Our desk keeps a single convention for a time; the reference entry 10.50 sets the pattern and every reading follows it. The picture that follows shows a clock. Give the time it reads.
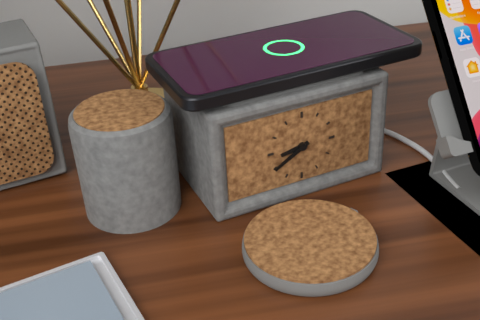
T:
8.40
